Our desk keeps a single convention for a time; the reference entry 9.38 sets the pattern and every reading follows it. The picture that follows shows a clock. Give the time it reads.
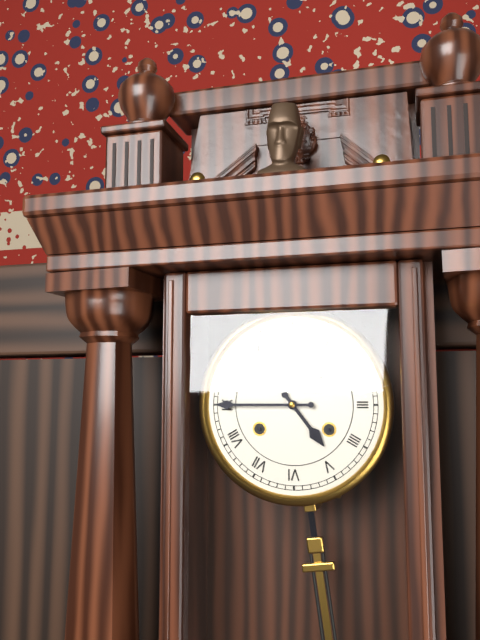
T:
4.45
